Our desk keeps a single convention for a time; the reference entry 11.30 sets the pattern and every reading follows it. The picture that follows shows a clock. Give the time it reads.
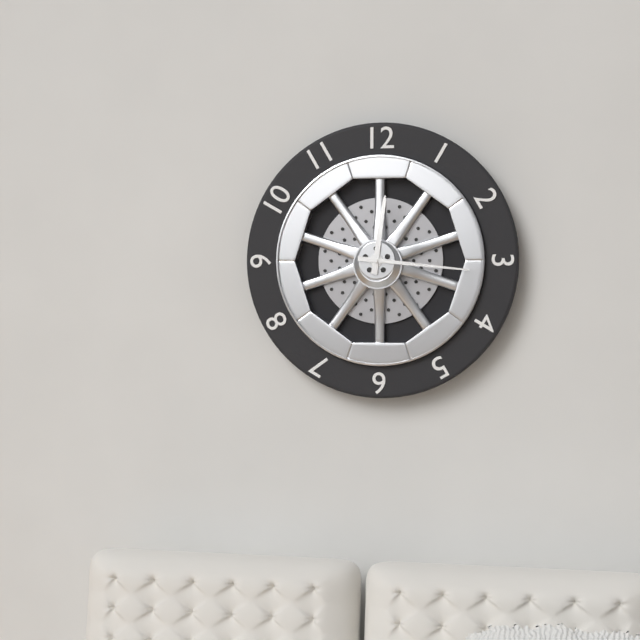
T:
12.16
